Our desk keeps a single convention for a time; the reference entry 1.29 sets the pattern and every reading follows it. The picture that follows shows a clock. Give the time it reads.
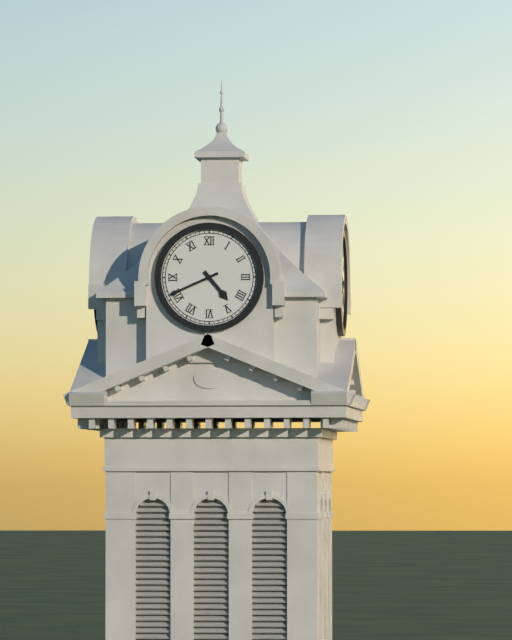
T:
4.41
